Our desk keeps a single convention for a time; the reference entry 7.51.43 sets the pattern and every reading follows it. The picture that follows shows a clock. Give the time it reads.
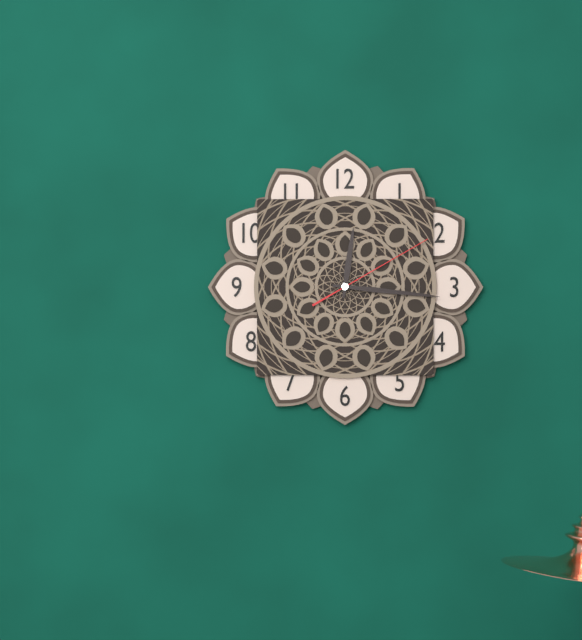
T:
12.16.10
